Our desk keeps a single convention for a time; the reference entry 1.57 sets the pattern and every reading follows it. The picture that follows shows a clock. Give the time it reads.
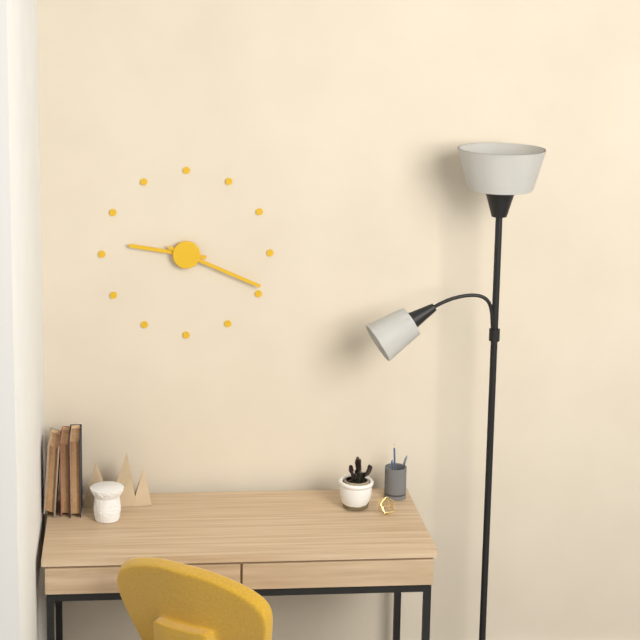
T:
9.19
